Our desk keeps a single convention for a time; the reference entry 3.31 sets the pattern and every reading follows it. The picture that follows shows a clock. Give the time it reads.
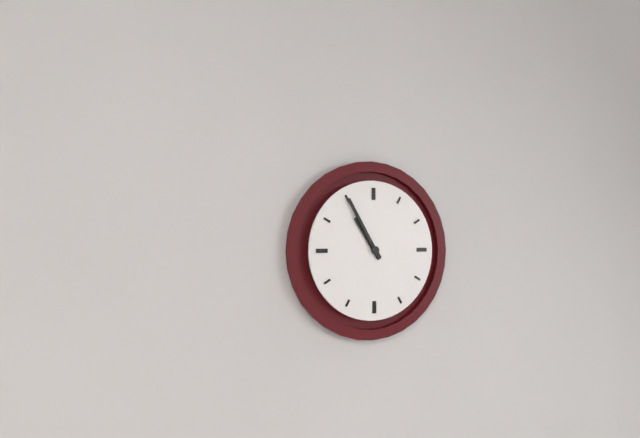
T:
10.55
